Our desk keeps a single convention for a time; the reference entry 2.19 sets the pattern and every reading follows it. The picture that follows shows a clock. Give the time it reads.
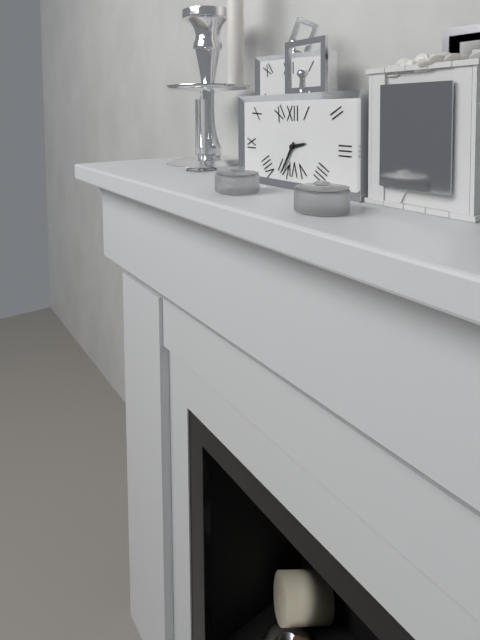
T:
2.35
